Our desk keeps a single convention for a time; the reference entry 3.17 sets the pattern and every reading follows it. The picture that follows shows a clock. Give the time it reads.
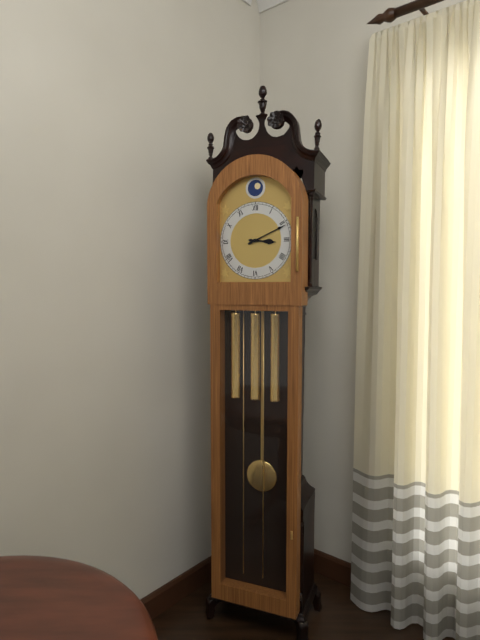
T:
3.11
